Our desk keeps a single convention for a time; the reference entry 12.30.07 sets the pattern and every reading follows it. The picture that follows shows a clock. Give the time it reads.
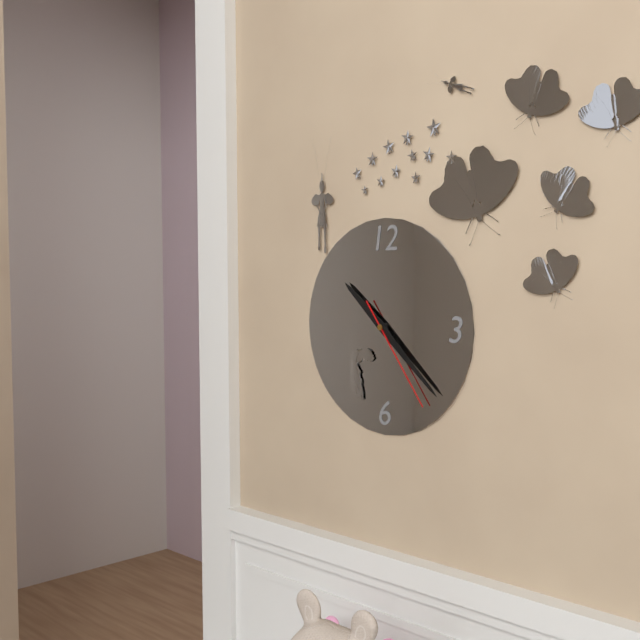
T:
10.22.24
